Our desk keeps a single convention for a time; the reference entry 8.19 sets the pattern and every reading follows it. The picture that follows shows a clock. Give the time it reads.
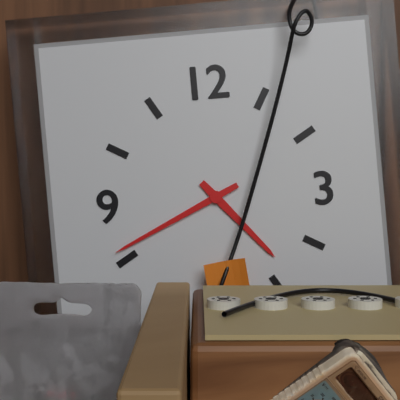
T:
4.41
